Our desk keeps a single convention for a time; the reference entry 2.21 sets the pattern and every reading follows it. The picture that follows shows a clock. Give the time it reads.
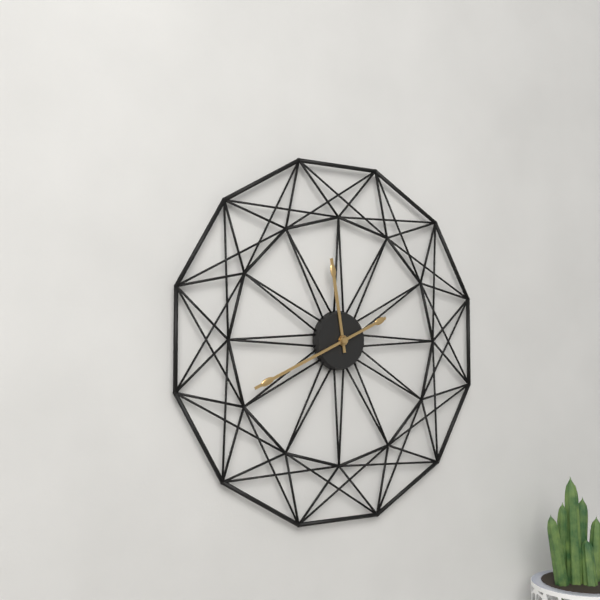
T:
11.41
